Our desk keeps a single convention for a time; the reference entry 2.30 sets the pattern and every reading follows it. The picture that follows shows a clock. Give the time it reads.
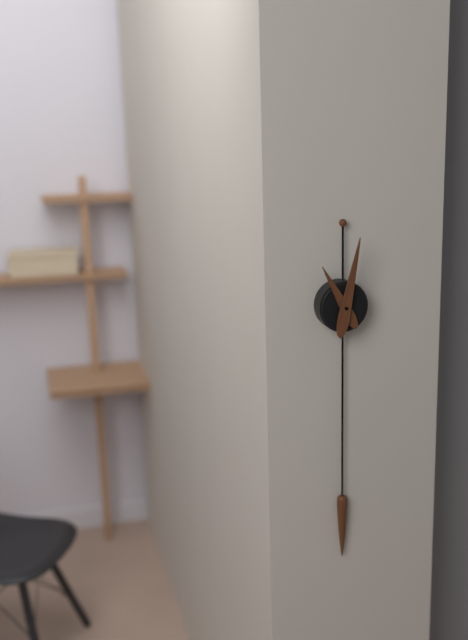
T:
11.02
